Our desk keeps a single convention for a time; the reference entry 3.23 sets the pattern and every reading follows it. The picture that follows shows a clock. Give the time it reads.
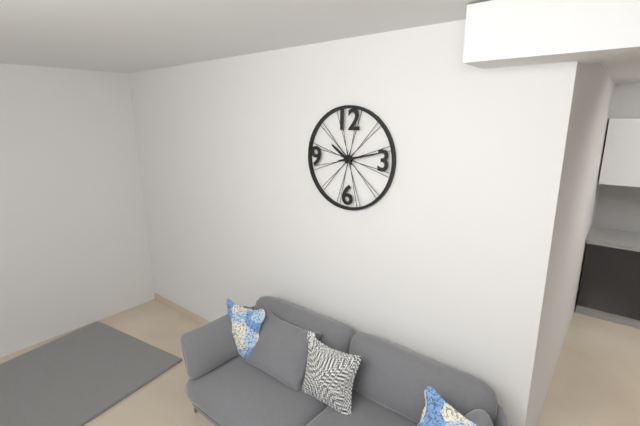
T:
10.13
